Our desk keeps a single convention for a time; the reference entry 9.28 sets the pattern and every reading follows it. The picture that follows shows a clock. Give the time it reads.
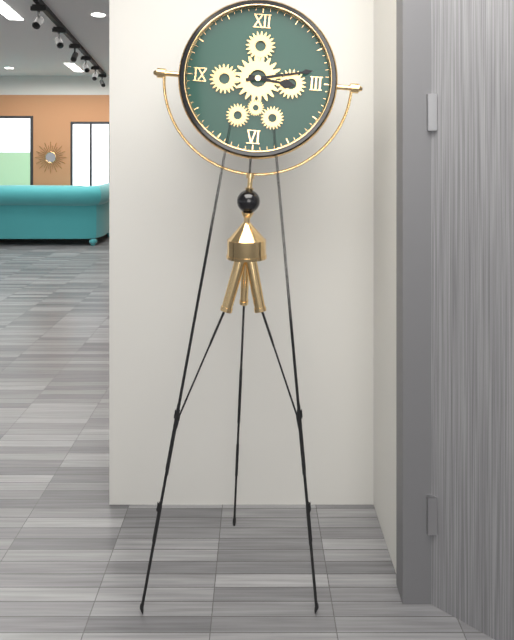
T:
3.13
